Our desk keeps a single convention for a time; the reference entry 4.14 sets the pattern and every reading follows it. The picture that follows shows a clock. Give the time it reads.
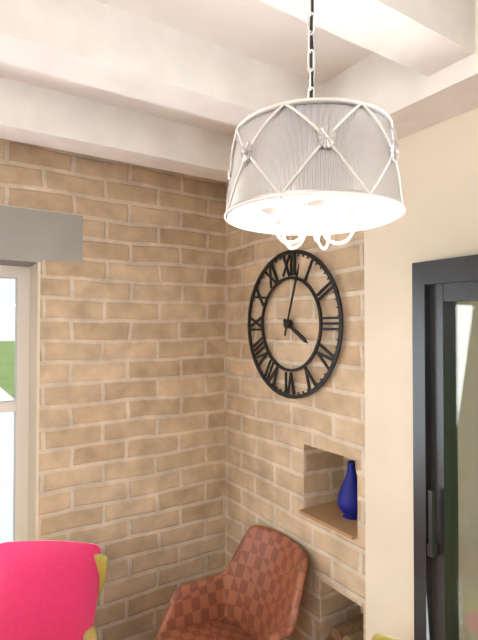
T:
4.03
